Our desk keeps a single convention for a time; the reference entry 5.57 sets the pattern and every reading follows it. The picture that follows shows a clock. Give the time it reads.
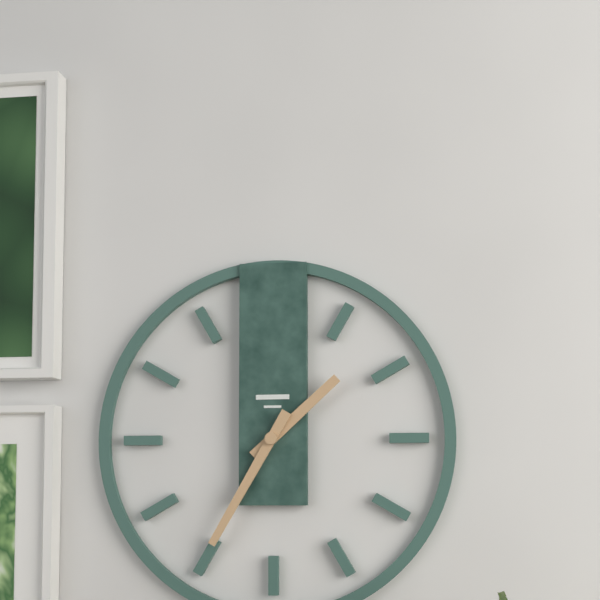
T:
1.35
